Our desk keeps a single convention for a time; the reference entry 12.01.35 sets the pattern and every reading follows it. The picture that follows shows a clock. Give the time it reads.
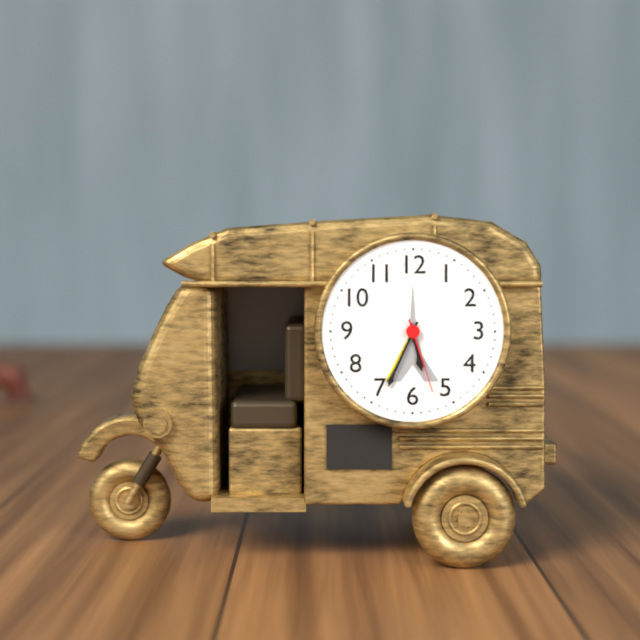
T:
5.34.27
